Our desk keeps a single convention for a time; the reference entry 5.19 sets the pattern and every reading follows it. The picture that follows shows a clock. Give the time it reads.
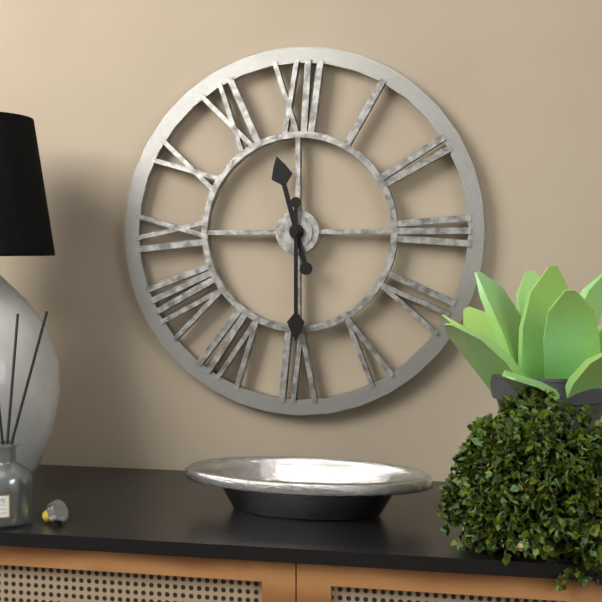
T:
11.30
